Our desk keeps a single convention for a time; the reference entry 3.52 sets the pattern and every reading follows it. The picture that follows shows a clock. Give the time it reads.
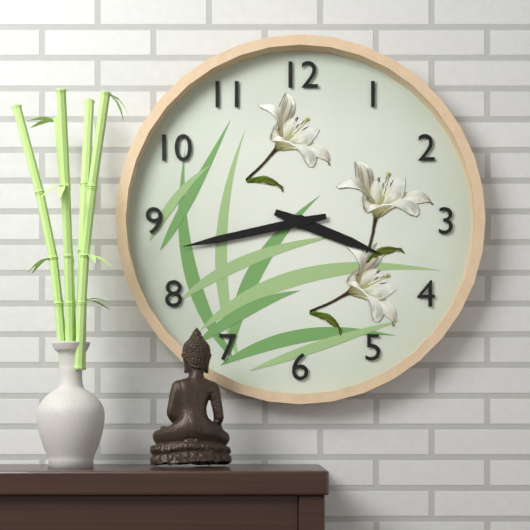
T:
3.43
